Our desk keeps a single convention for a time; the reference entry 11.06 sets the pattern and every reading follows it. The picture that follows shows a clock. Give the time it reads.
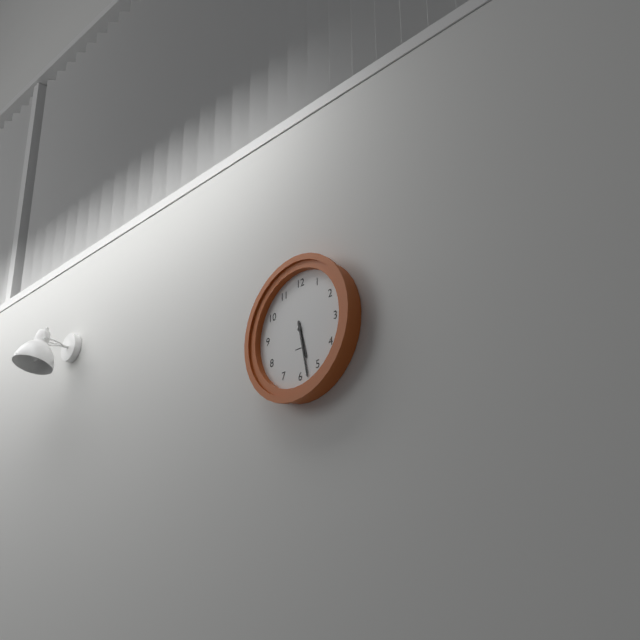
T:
5.28
